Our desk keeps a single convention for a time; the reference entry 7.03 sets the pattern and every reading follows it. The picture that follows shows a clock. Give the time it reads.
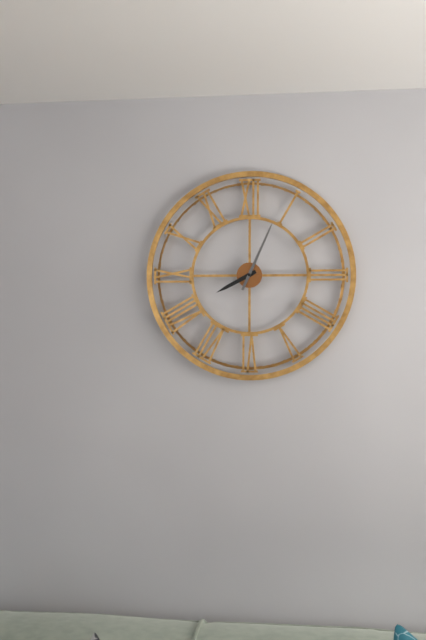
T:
8.04
